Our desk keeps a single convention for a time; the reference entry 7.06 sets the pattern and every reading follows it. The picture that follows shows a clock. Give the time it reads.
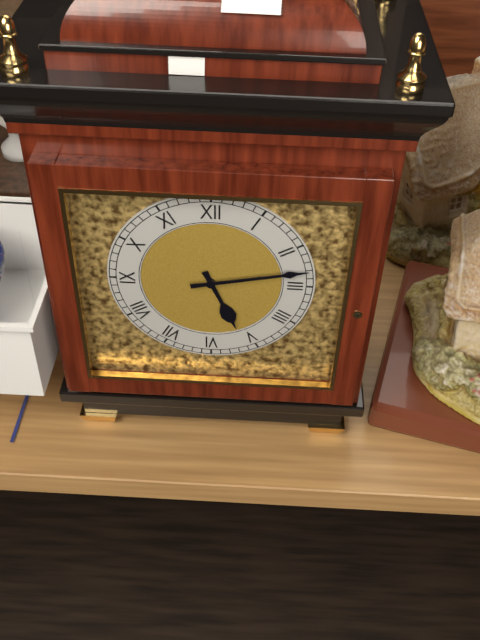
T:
5.13
